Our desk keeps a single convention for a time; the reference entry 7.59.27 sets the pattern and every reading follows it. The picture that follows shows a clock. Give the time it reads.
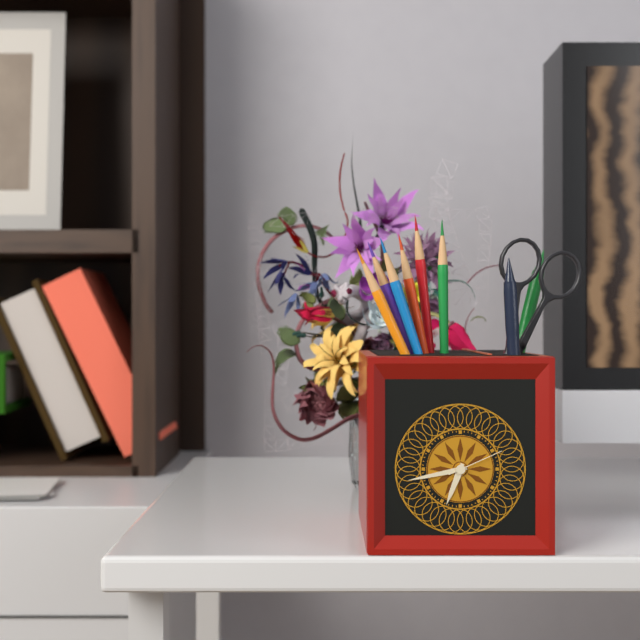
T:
6.43.11
